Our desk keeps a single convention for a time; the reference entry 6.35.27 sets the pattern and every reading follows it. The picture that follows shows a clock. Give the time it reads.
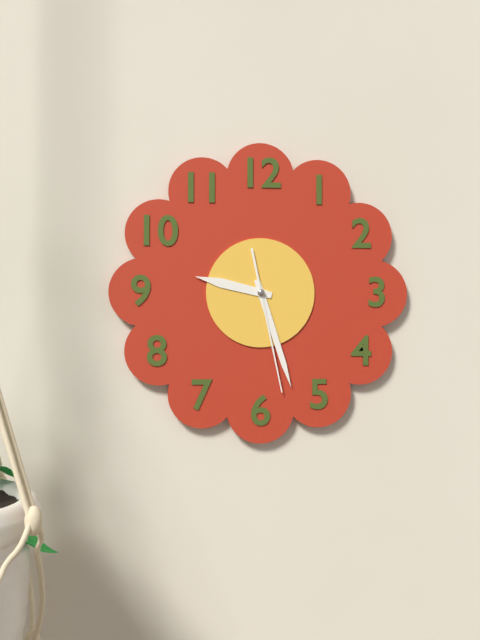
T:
9.27.28
